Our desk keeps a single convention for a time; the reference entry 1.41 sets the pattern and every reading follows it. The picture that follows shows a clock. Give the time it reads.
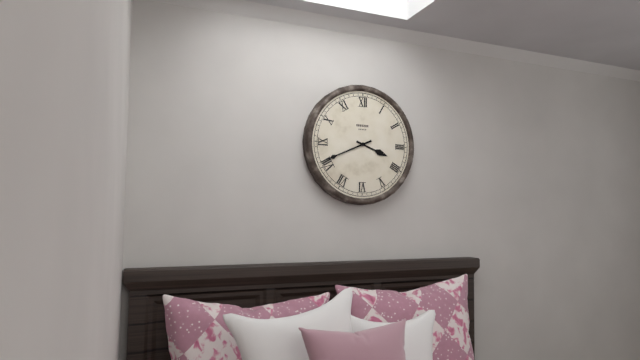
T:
3.41
